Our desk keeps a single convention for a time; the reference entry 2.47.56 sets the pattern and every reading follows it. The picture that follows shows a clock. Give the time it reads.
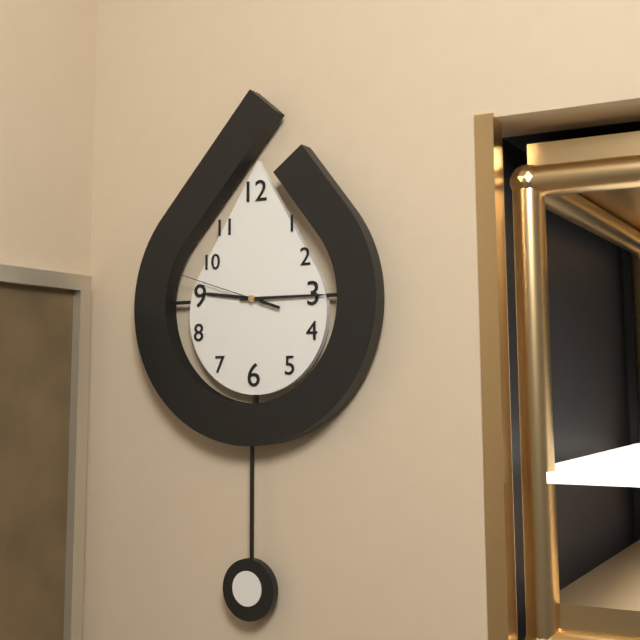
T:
9.15.48
